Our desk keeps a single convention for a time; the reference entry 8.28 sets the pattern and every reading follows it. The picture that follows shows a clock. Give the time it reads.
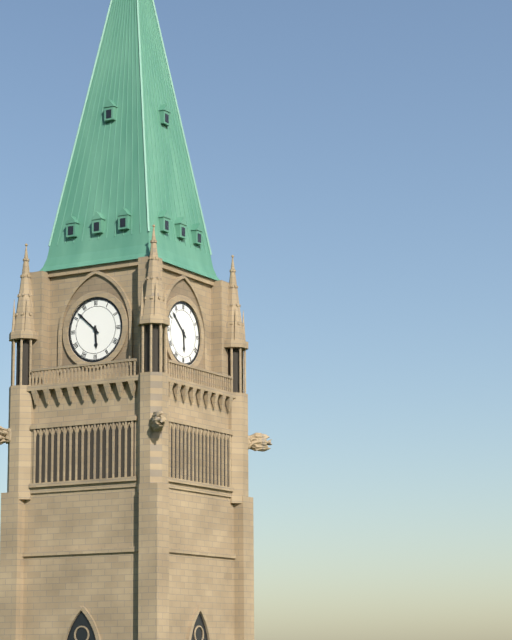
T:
5.52
